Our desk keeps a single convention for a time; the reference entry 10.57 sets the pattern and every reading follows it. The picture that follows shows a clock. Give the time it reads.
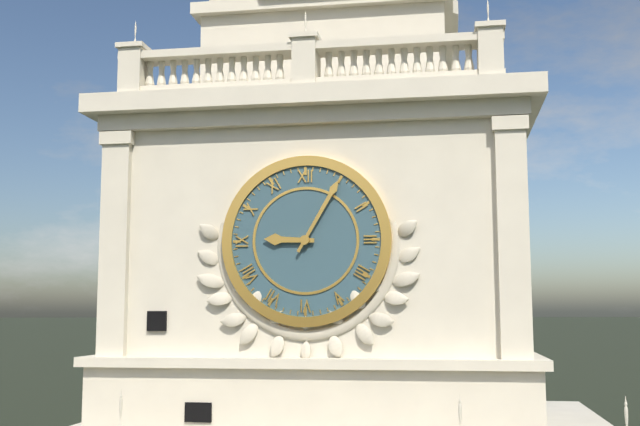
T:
9.05
